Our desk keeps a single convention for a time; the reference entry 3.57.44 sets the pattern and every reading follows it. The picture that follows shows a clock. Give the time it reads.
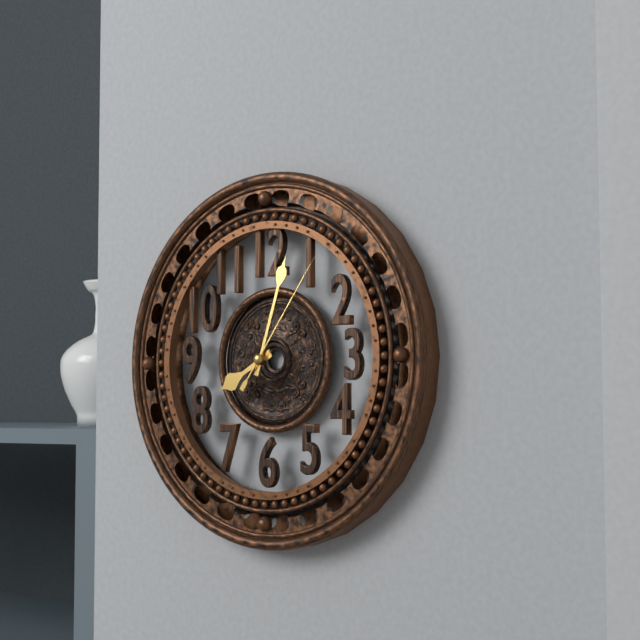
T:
8.03.06
